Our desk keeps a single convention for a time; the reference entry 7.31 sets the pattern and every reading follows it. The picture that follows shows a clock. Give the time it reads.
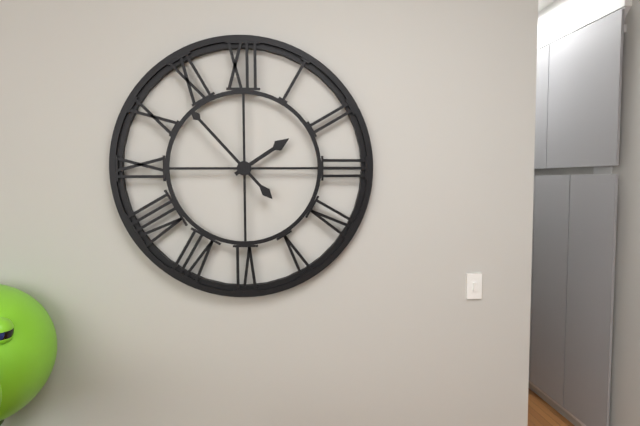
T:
1.53
